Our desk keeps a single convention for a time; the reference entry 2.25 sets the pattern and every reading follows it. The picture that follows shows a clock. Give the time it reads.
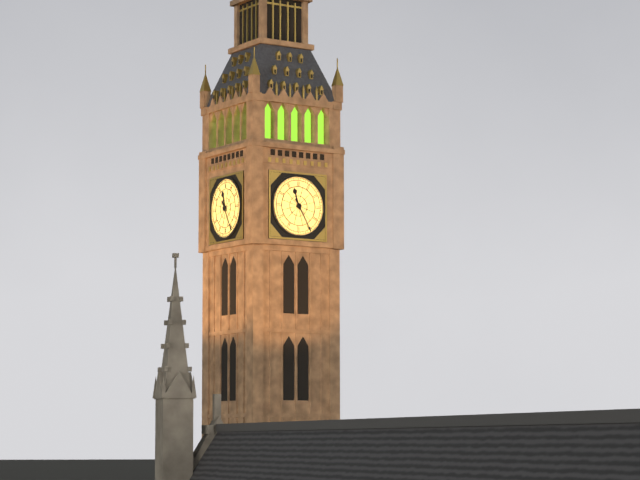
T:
11.25
